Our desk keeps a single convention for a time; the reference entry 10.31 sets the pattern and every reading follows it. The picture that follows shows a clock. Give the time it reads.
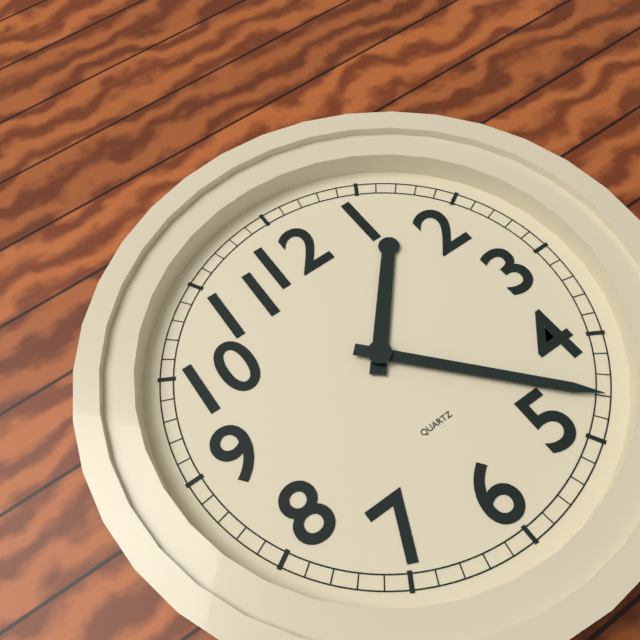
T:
1.23
